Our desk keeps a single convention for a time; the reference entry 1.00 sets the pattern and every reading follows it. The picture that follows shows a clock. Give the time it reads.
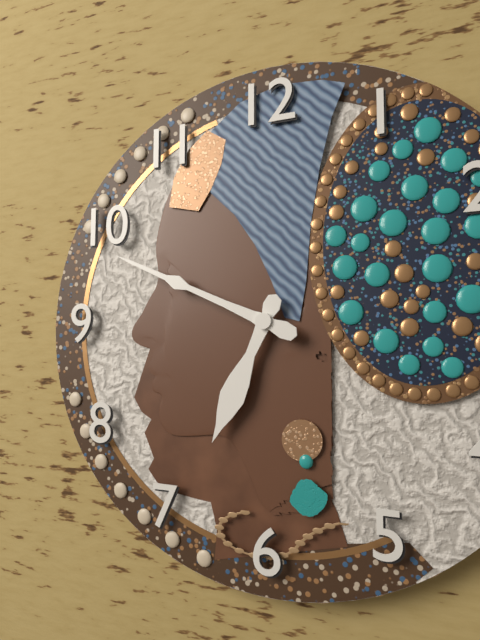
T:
6.49
